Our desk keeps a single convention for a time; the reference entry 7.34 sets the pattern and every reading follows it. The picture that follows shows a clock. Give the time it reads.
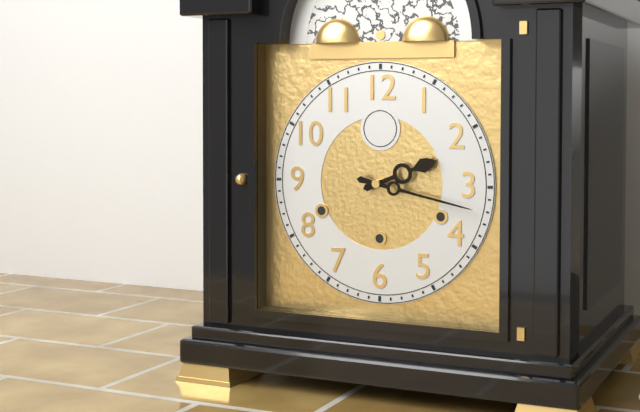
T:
2.17
